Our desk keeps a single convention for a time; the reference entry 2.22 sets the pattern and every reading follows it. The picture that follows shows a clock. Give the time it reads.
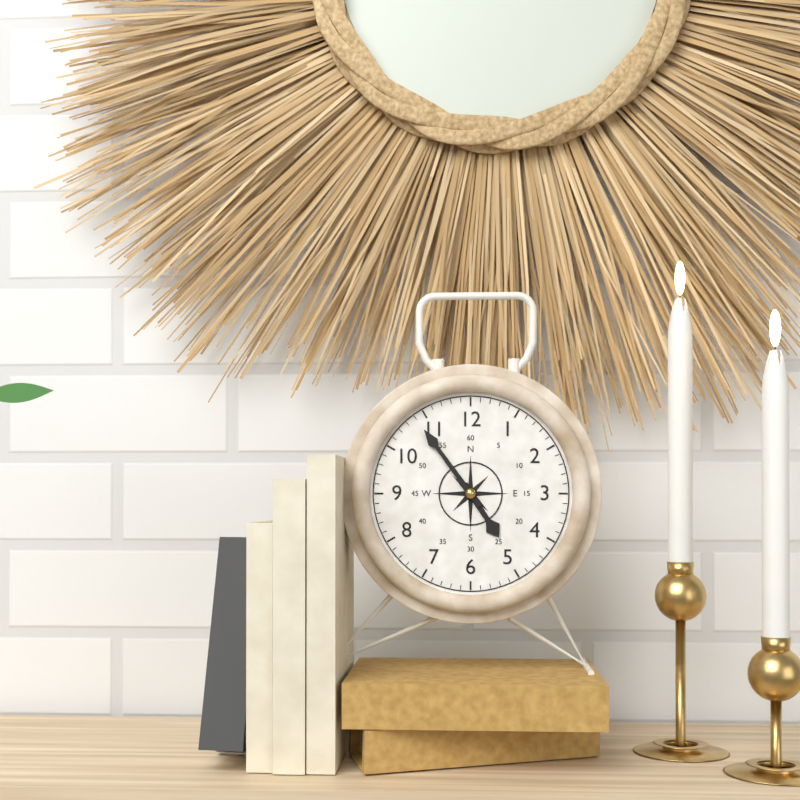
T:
4.54
